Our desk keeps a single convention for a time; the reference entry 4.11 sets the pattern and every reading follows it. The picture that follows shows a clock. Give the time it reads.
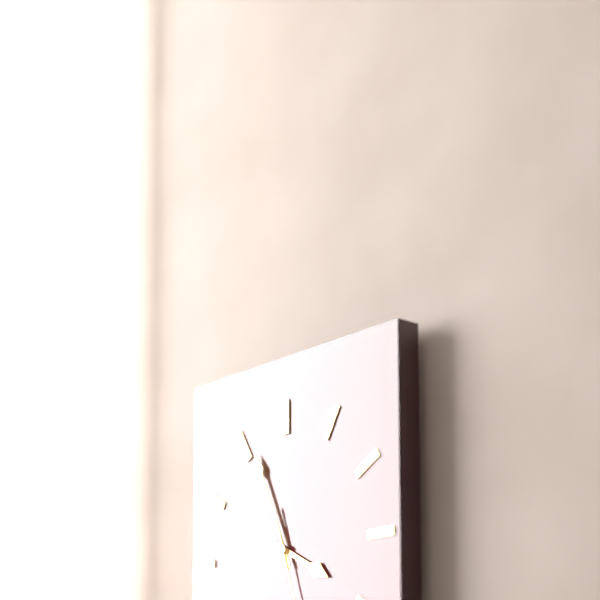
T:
3.56
